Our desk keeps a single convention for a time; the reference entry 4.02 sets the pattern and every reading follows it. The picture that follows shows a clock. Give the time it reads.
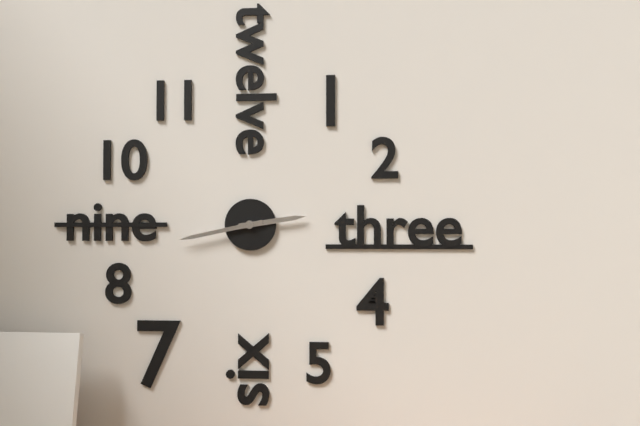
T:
2.43
